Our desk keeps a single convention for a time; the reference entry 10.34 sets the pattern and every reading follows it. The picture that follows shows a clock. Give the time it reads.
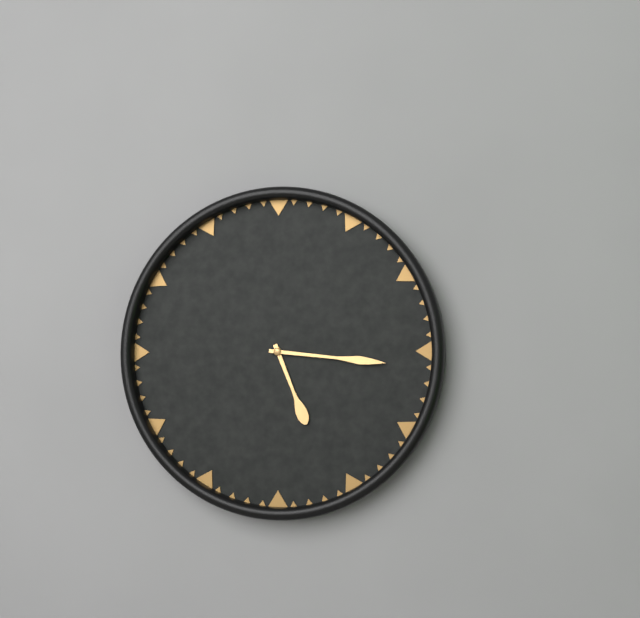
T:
5.16
